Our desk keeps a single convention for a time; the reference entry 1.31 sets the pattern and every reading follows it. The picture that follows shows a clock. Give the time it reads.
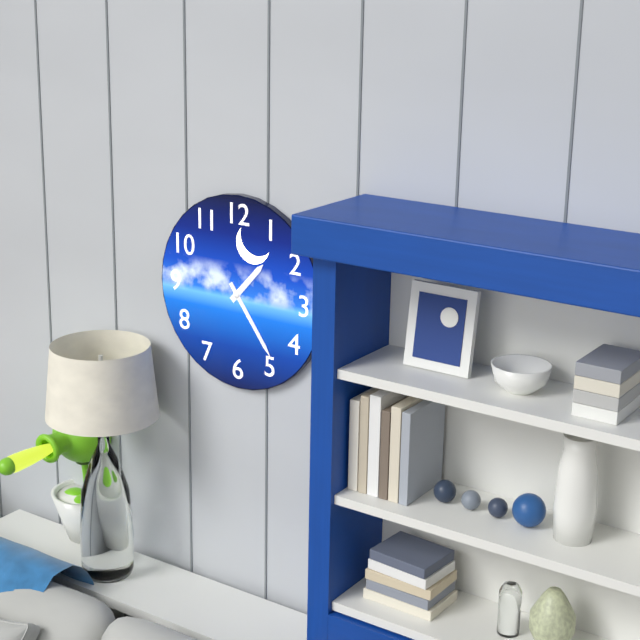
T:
1.24
